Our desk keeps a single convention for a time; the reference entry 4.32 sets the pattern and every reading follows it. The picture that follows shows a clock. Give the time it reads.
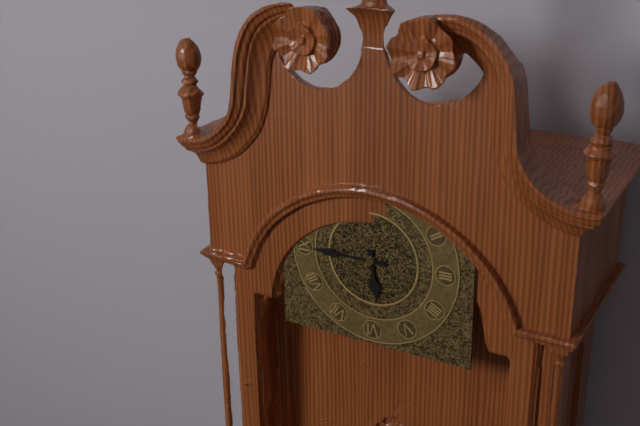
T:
5.45
